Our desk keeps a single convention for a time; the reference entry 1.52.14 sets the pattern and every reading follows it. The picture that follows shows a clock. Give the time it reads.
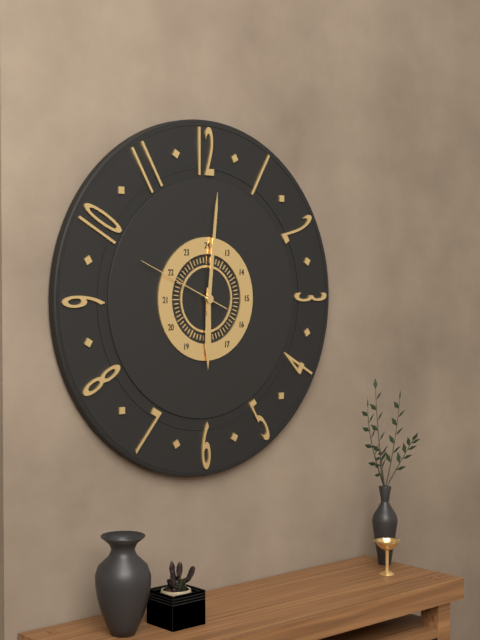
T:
6.01.49
